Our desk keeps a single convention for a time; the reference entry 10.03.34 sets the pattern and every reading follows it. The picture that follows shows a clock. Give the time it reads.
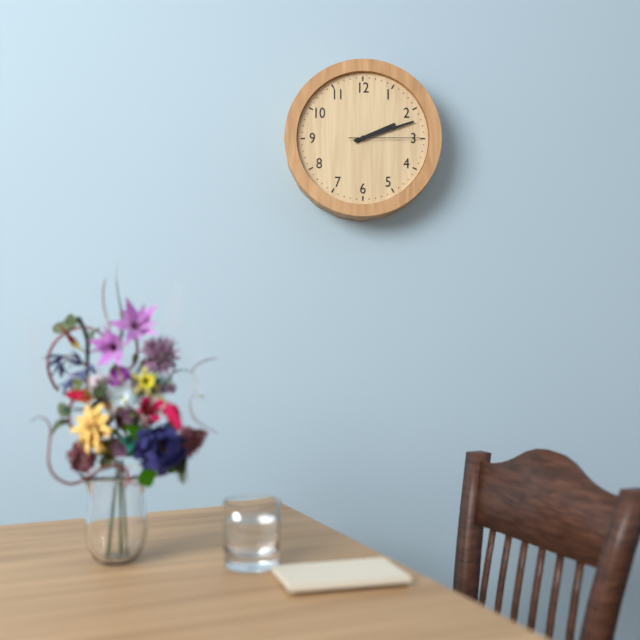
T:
2.12.15
